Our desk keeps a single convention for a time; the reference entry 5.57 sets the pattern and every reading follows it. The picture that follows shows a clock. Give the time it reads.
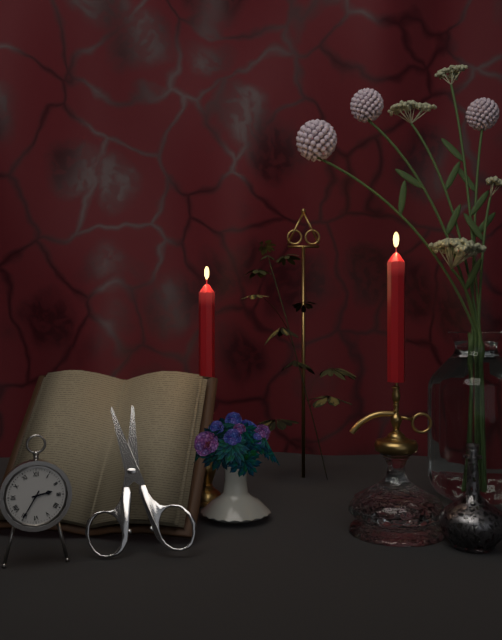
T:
2.35
